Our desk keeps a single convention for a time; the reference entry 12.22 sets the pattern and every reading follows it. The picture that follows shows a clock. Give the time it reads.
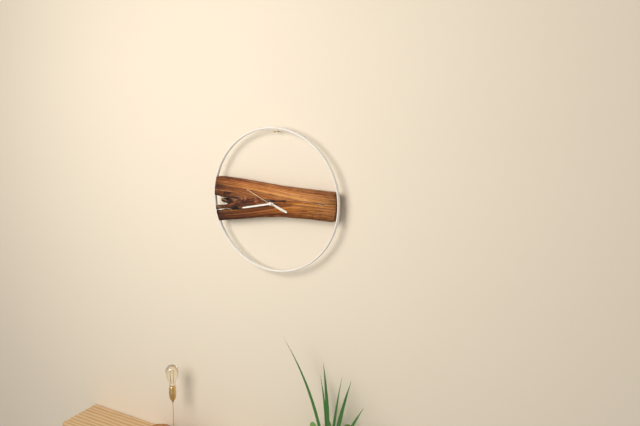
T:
3.43
